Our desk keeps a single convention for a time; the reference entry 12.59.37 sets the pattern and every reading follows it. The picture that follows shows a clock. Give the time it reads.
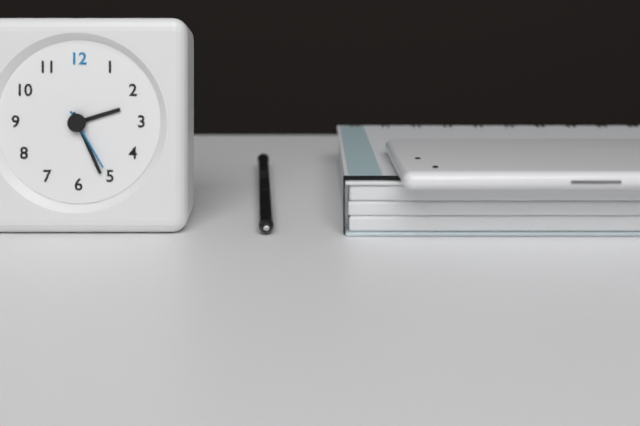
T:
2.26.25
